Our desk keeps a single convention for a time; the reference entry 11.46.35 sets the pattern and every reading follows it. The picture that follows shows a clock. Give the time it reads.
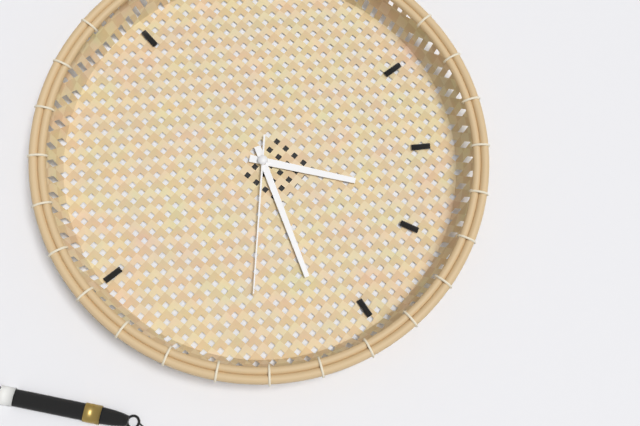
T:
11.05.09
